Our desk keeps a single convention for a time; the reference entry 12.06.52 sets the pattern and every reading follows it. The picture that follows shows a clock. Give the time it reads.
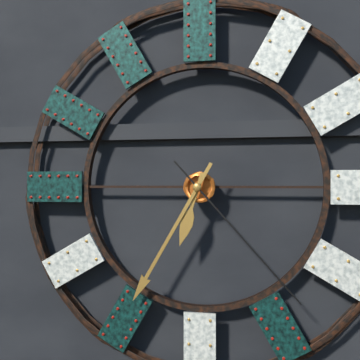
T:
6.35.23
